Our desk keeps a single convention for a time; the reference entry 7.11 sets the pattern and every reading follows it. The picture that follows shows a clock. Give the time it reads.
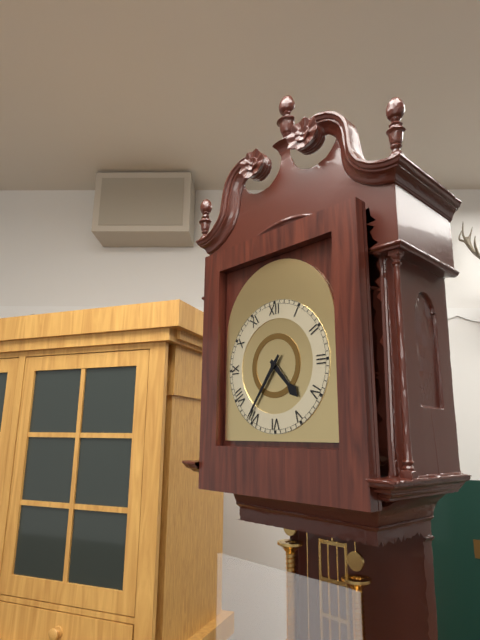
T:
4.36
